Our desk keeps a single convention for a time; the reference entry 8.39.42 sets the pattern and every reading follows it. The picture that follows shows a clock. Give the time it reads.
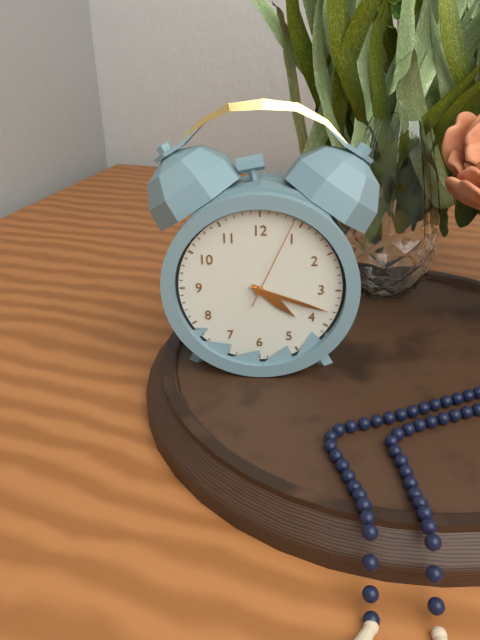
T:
4.18.04
